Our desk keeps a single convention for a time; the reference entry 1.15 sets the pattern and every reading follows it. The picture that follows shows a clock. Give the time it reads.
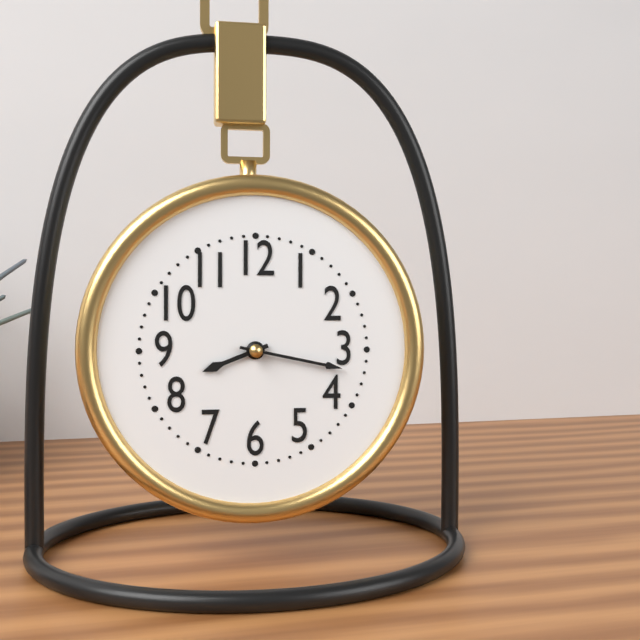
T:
8.17
